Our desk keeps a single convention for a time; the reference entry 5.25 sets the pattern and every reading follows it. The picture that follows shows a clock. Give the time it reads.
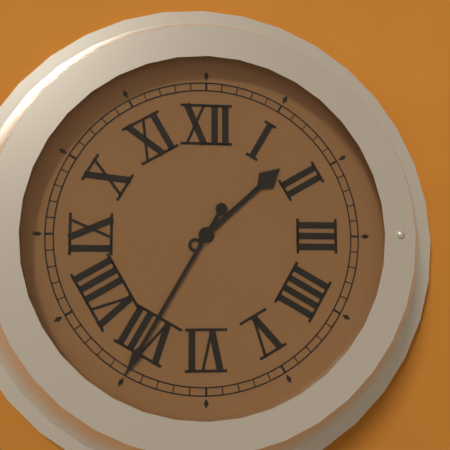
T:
1.35
